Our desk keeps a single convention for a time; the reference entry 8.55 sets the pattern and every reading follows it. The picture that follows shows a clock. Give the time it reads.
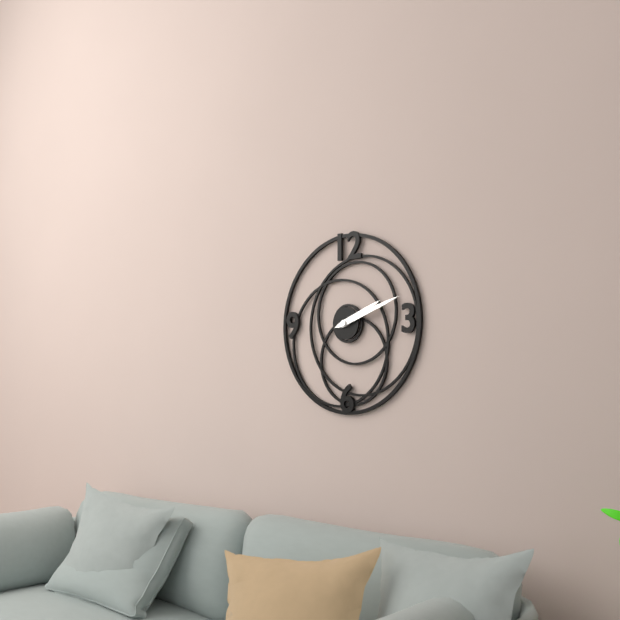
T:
2.12
